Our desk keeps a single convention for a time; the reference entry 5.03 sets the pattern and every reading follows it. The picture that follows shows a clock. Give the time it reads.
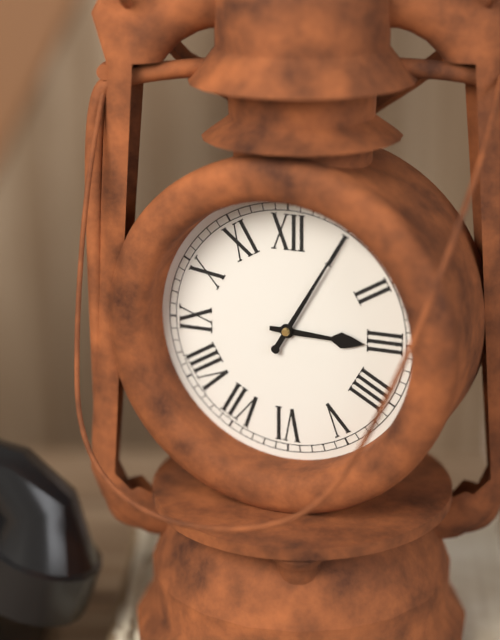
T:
3.05
